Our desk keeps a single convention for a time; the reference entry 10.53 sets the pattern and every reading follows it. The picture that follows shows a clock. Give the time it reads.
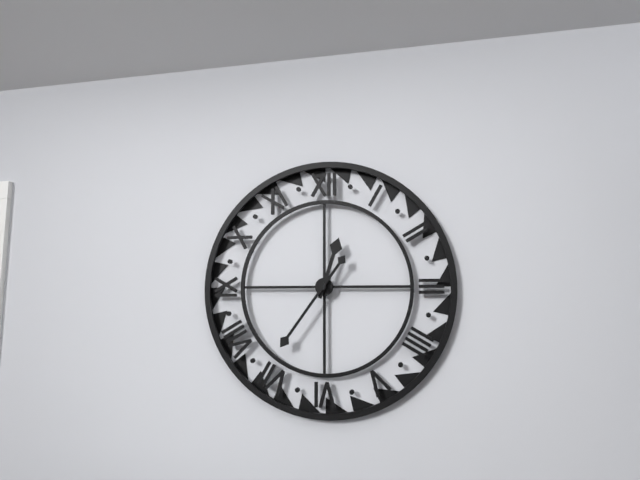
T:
12.36
